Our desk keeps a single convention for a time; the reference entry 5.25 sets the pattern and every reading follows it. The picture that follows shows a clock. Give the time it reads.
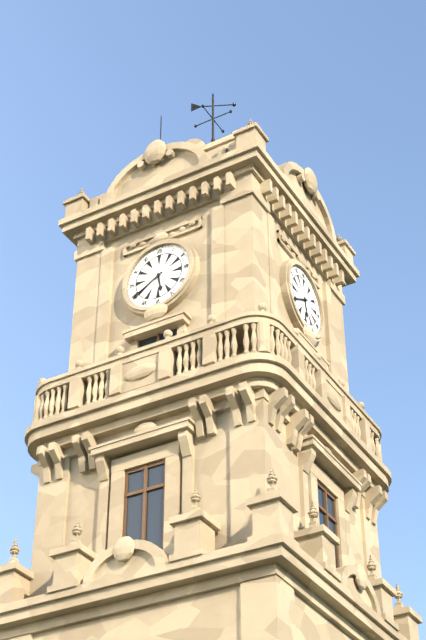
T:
5.40
